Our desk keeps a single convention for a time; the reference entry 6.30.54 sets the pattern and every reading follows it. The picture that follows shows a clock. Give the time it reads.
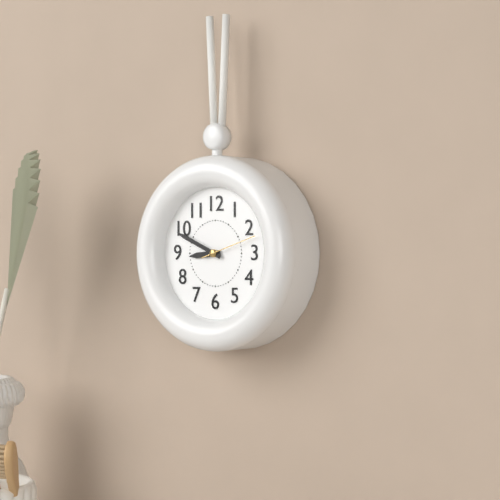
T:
8.49.12
